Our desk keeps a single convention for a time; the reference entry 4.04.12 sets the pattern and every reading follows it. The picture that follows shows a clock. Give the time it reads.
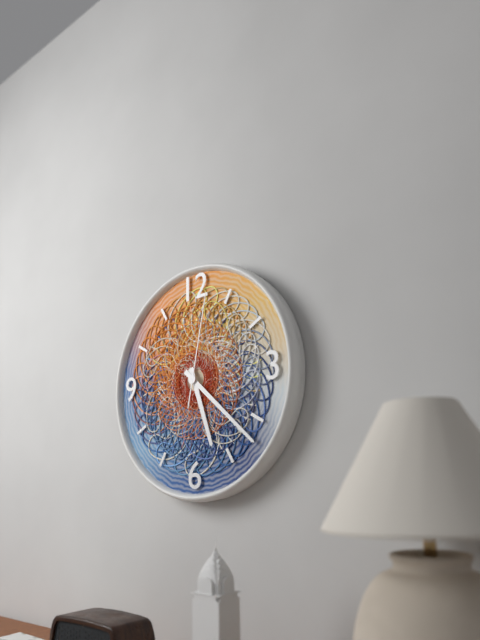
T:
5.22.02
